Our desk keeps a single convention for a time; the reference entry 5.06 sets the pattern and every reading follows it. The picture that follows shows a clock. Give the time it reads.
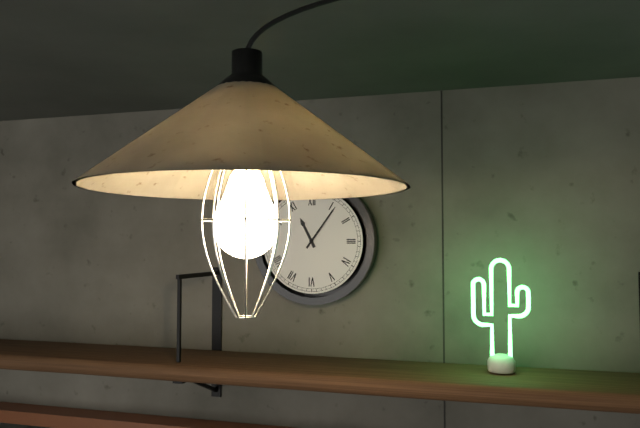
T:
11.06
